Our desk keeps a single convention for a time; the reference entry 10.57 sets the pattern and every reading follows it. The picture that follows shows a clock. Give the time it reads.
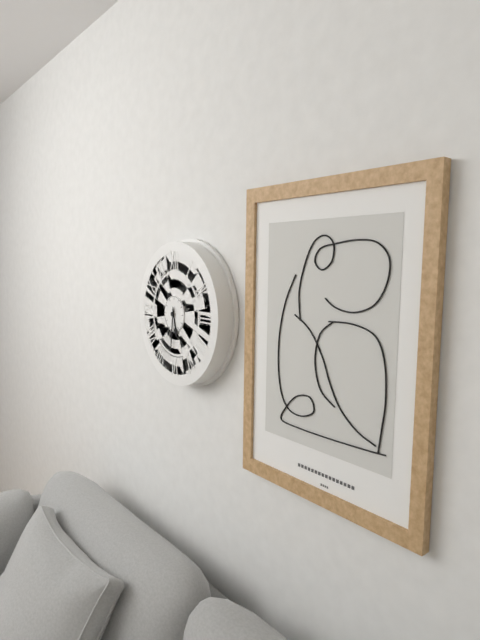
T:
5.31
